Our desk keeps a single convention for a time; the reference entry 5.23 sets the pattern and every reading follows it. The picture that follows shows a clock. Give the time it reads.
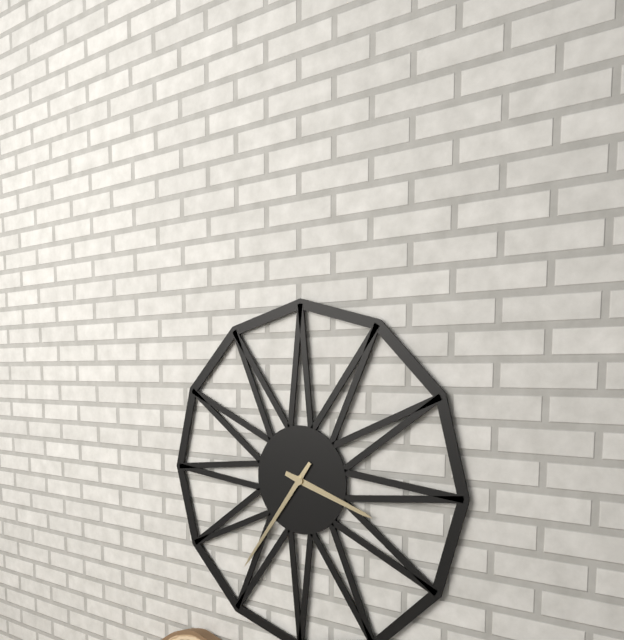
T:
3.36
